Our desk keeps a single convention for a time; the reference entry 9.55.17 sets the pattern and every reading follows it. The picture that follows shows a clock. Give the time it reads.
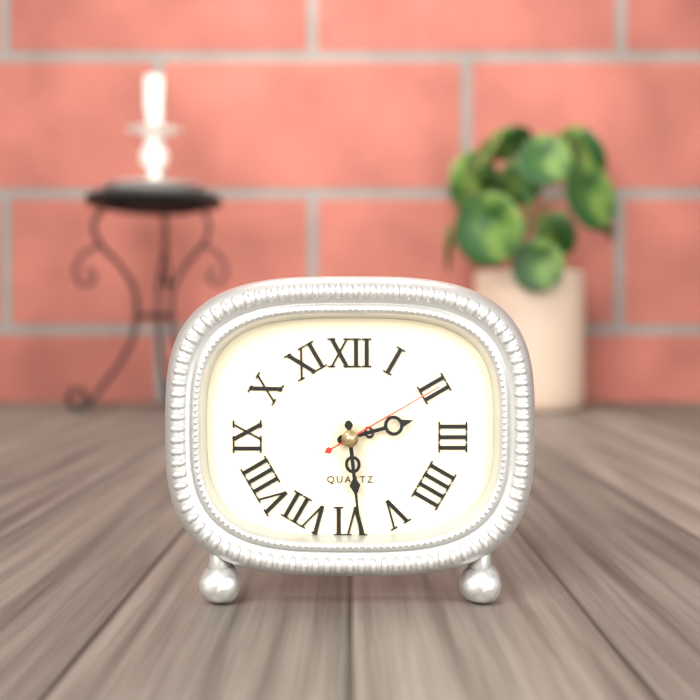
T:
2.29.10
